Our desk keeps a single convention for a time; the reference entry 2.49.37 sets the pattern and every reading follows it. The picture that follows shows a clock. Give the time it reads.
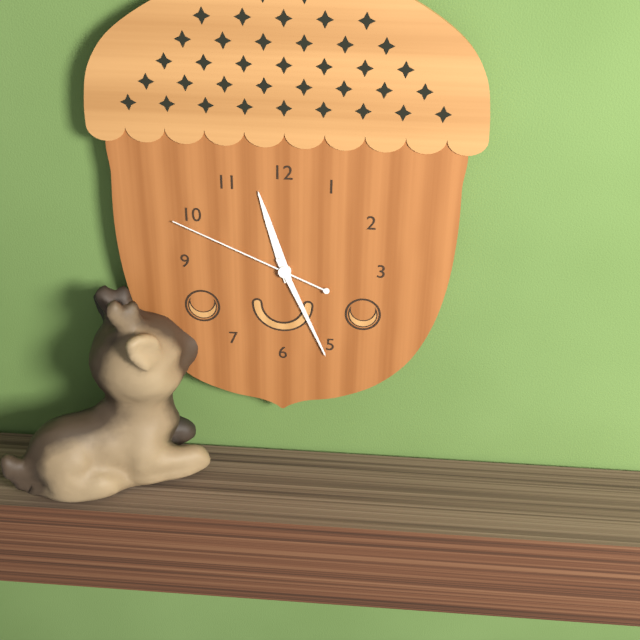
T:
11.26.49
